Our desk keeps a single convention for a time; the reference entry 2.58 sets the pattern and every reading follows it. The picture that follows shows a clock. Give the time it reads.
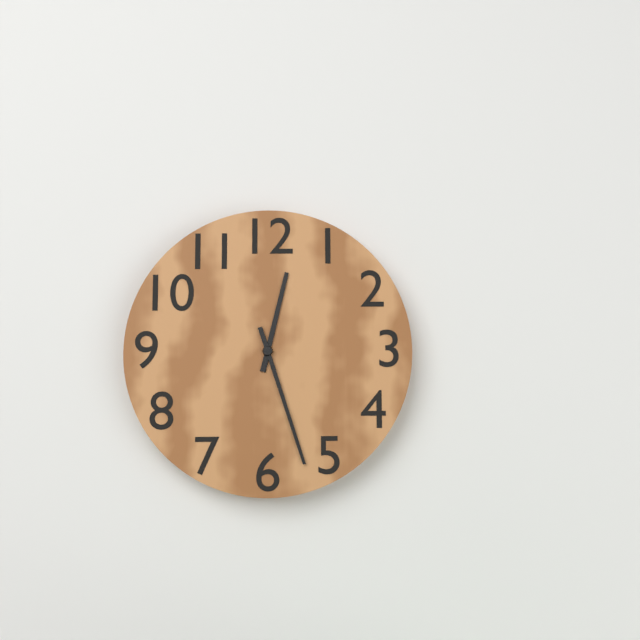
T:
12.27
